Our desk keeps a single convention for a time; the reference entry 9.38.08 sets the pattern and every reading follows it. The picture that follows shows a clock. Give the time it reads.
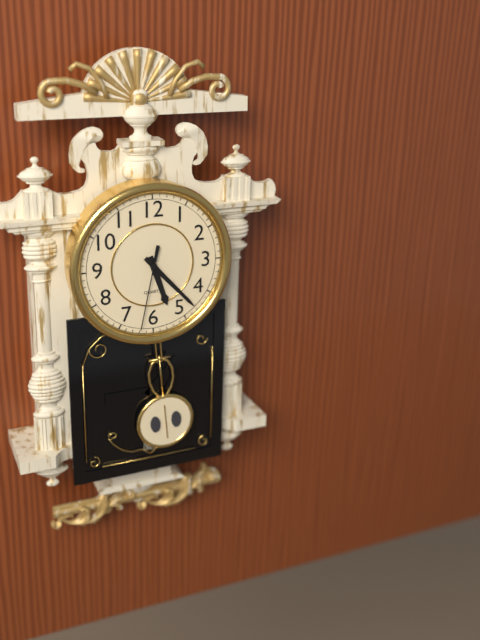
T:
5.23.32
